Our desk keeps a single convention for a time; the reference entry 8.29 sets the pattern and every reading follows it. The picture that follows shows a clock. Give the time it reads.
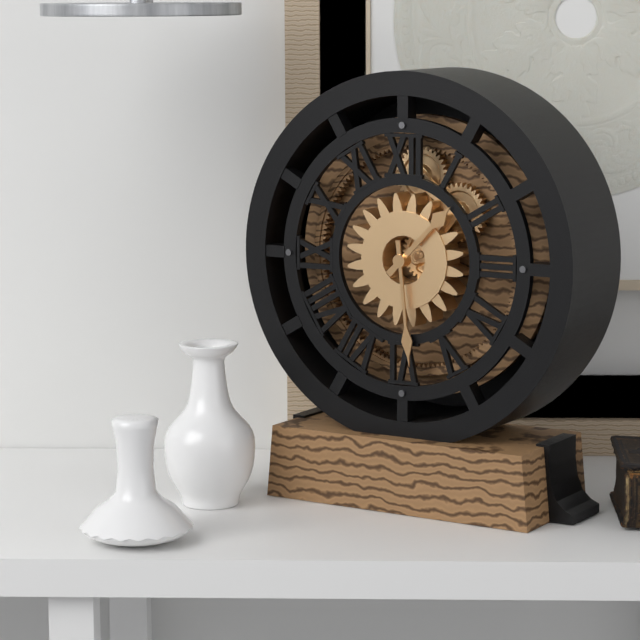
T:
1.29
